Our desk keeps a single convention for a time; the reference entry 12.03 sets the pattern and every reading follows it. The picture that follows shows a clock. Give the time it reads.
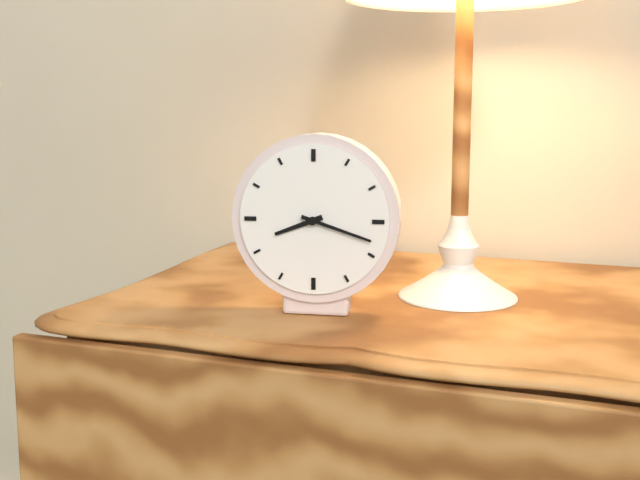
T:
8.18
